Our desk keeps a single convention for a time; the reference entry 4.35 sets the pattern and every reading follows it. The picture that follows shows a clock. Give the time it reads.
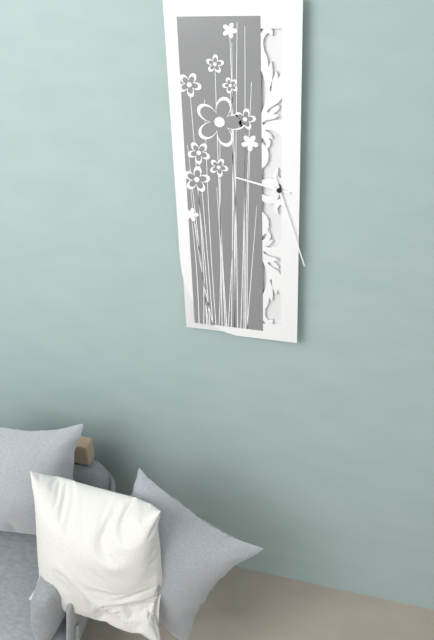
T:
9.27
